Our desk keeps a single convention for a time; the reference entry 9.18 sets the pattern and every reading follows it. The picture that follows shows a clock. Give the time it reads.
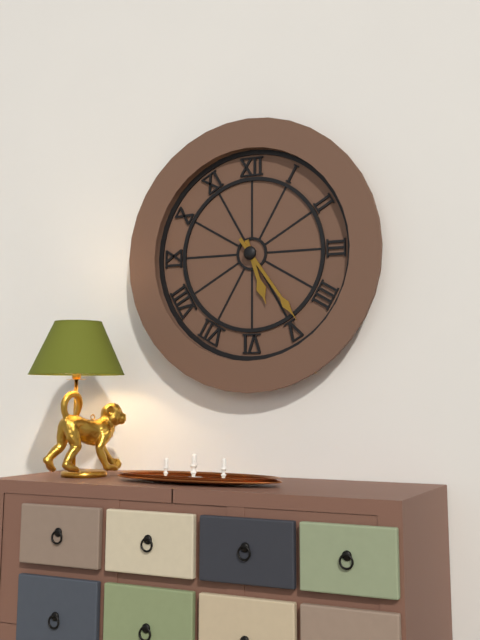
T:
5.24
